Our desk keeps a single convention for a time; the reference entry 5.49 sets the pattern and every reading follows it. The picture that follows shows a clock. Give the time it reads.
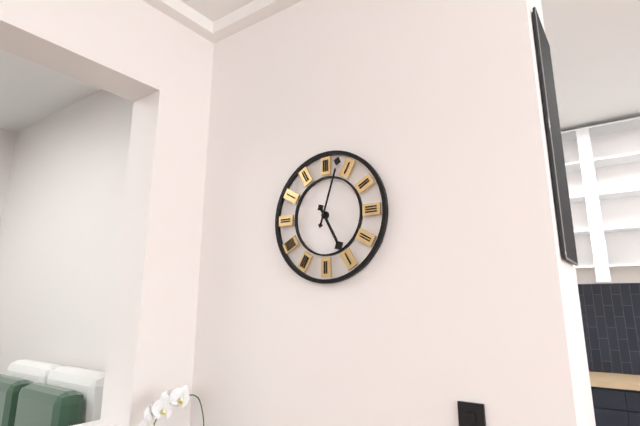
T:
5.03
